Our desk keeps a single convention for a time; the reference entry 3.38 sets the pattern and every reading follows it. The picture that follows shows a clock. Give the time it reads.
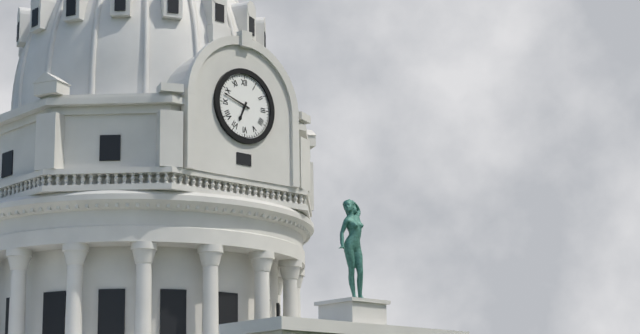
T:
6.48
